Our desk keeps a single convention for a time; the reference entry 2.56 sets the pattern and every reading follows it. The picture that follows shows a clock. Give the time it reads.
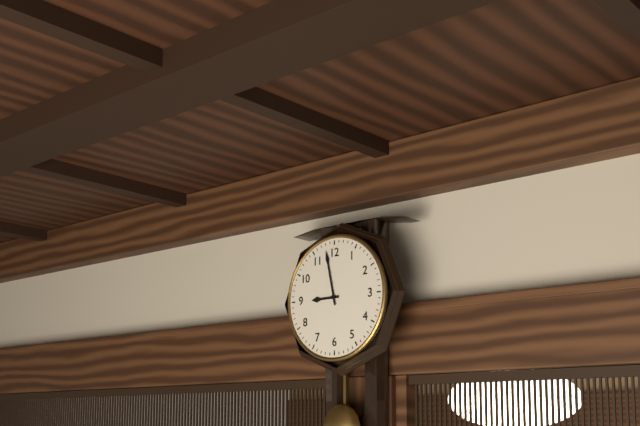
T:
8.58
